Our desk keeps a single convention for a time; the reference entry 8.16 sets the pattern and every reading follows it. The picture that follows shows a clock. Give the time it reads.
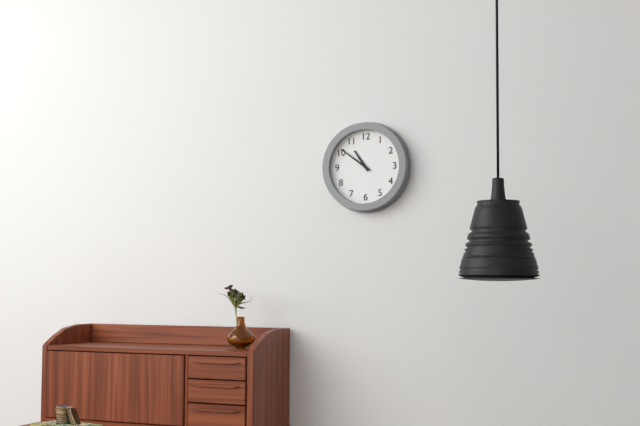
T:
10.51
